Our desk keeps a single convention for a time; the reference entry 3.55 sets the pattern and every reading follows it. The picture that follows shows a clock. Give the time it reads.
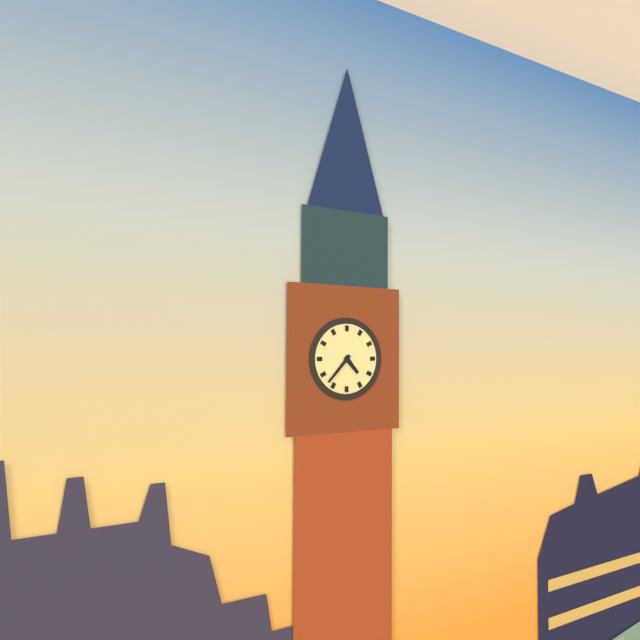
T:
4.37
